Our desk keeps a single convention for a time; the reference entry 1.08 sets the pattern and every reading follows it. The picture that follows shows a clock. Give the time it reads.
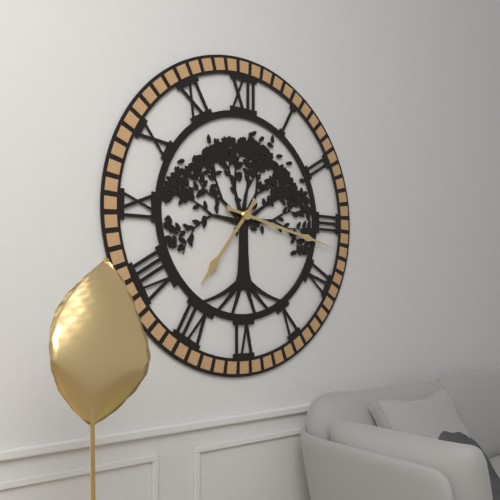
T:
7.17
